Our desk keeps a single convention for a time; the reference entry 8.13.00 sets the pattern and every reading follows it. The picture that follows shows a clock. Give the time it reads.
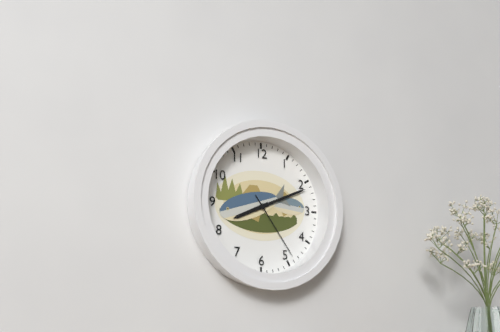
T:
8.11.24
